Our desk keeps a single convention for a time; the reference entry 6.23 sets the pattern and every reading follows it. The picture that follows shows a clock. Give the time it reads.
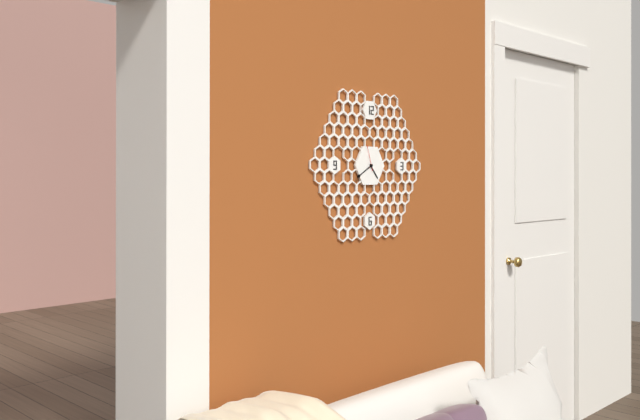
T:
4.40
